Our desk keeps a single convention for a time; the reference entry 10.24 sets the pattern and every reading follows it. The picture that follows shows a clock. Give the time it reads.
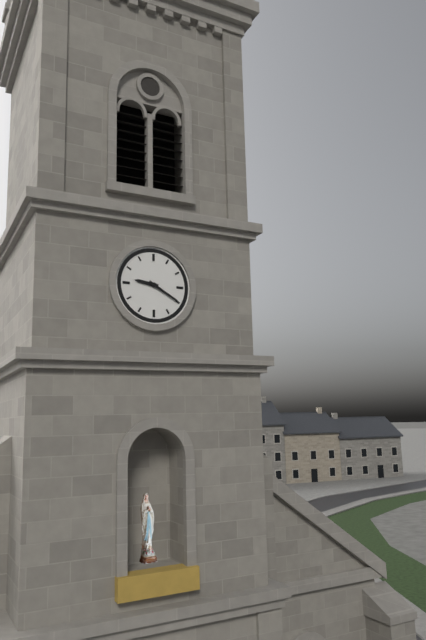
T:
9.20
